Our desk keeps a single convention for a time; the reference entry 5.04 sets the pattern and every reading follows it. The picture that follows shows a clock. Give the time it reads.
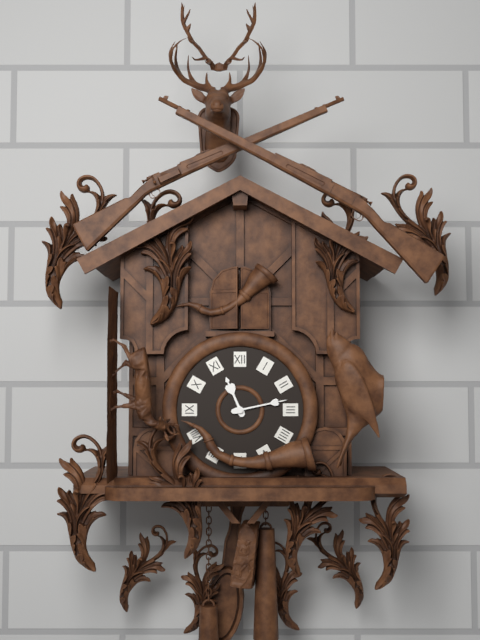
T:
11.13
